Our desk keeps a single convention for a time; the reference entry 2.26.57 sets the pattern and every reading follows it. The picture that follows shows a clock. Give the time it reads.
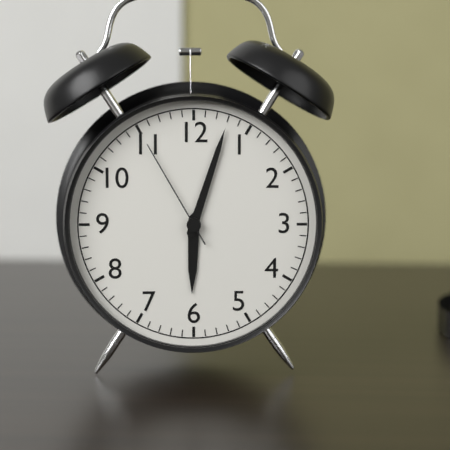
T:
6.03.55
